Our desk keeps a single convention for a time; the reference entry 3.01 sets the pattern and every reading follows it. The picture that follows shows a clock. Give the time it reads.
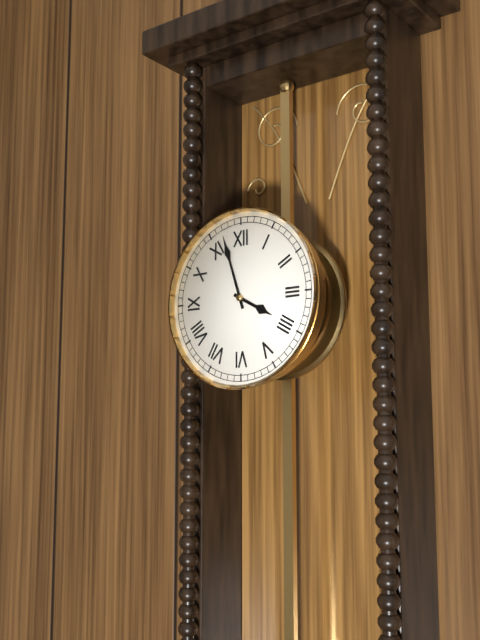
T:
3.57
